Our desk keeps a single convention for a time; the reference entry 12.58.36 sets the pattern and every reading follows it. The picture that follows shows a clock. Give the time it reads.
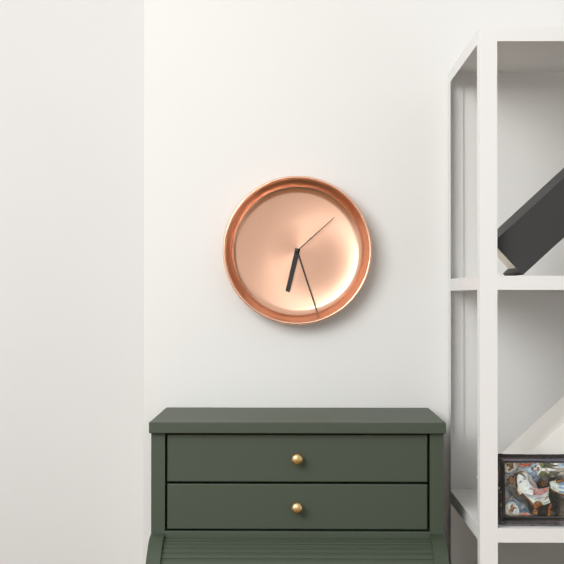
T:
6.27.08
